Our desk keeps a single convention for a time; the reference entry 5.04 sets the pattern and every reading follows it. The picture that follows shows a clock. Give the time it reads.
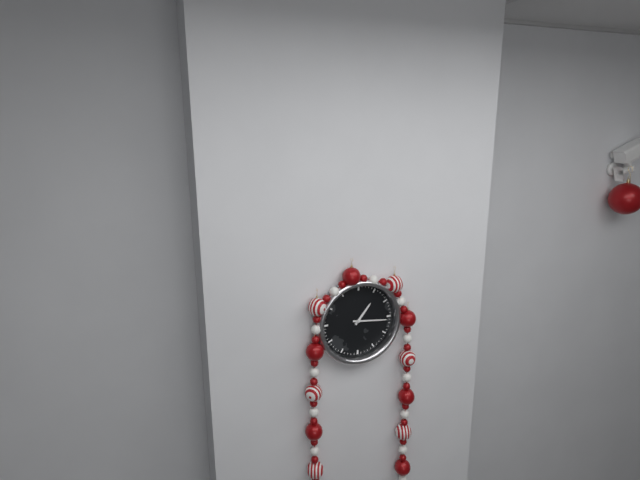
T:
1.16
